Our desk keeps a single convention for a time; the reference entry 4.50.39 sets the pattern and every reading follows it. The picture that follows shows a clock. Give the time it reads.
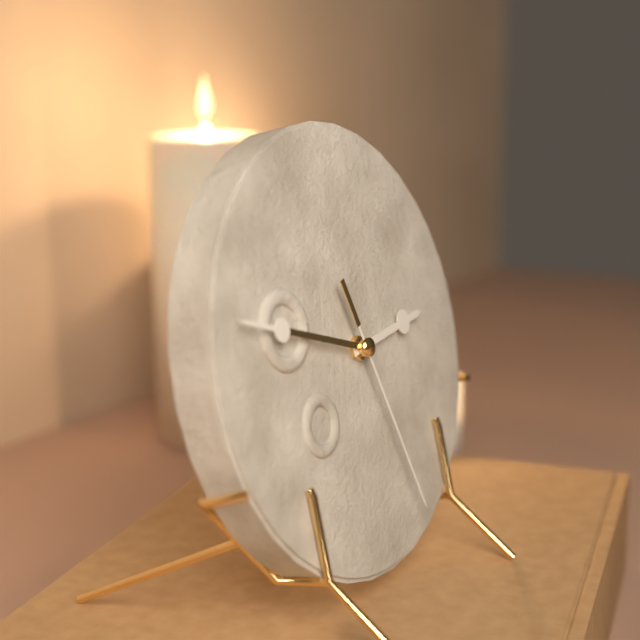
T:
2.48.27
